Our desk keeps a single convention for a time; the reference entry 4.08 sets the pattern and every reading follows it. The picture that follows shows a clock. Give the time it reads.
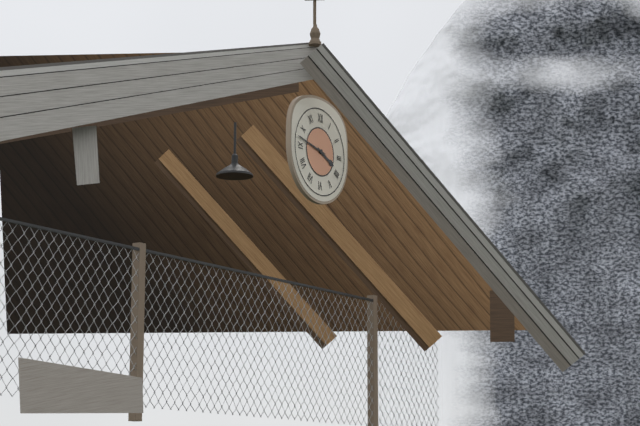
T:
3.47
